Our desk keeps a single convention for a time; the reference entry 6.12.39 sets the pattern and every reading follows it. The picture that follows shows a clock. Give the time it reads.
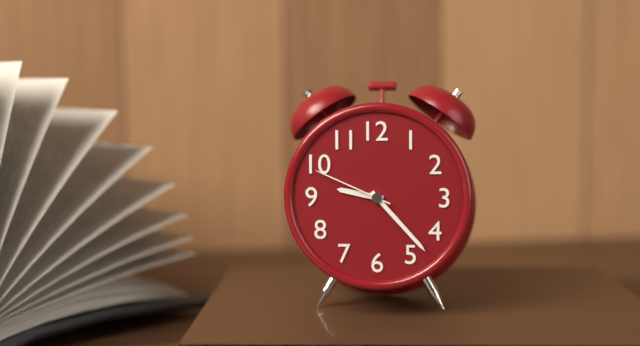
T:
9.23.49
